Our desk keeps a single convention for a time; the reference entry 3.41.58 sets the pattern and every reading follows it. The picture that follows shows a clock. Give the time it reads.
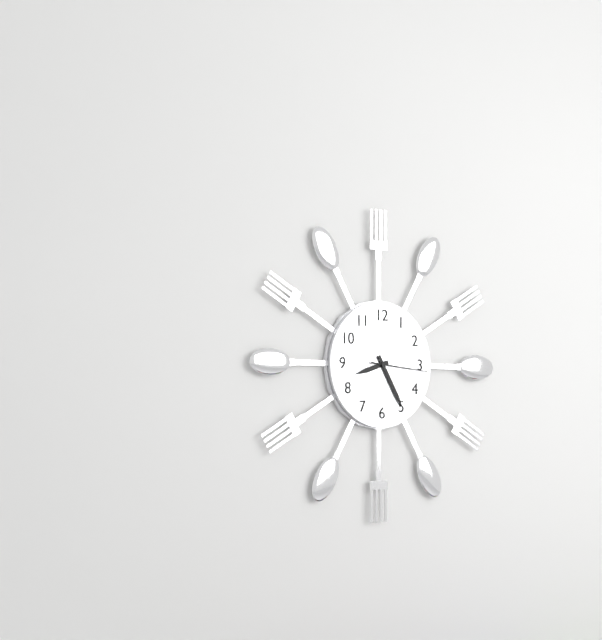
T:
8.25.16
